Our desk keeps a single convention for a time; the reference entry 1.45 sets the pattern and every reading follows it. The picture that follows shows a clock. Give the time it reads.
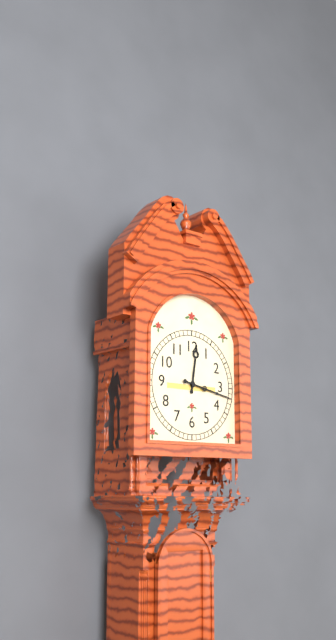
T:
12.17
